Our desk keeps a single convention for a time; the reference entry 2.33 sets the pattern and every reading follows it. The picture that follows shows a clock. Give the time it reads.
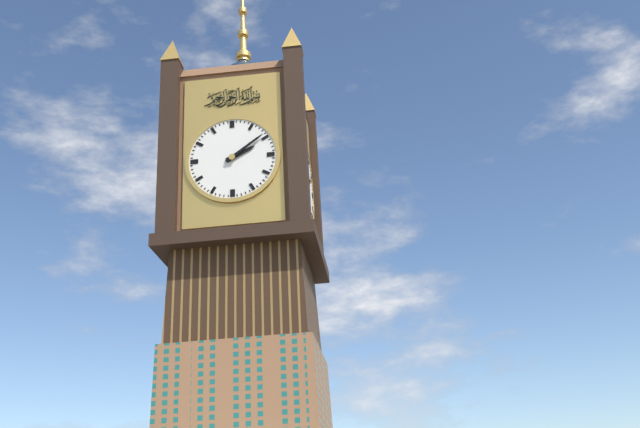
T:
2.09
